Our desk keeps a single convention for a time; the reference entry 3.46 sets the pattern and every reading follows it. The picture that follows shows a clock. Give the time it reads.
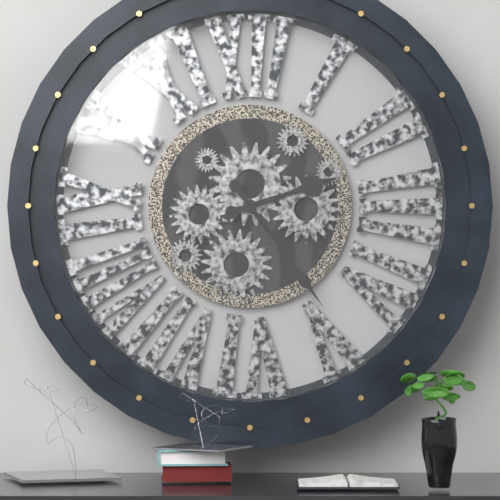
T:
2.24
